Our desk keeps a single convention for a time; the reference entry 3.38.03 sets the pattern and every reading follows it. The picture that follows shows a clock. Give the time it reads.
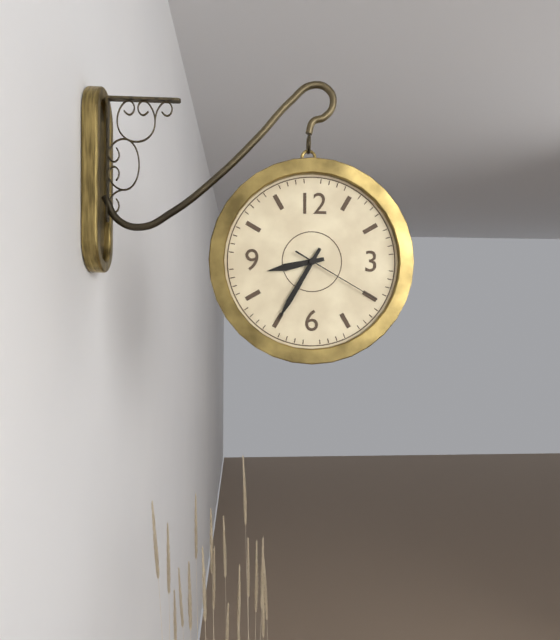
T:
8.35.20
